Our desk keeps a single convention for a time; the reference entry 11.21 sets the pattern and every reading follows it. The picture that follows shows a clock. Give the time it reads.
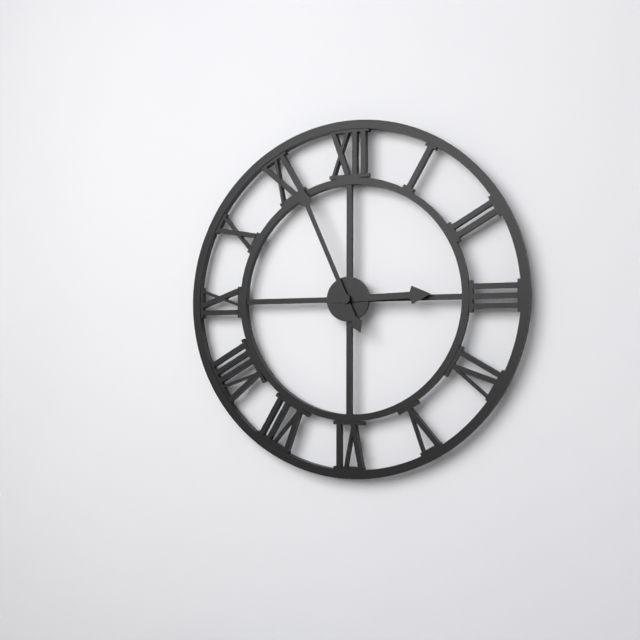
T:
2.56
